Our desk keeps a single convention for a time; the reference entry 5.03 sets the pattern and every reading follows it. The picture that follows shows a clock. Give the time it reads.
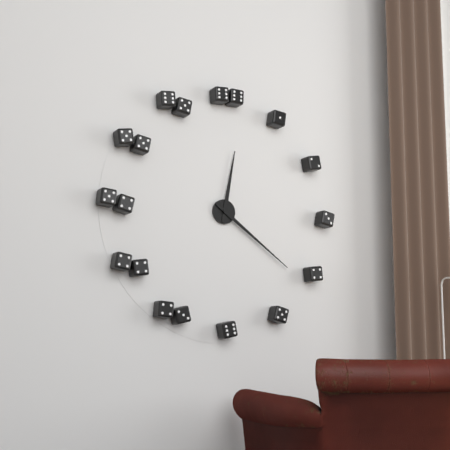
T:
12.21
